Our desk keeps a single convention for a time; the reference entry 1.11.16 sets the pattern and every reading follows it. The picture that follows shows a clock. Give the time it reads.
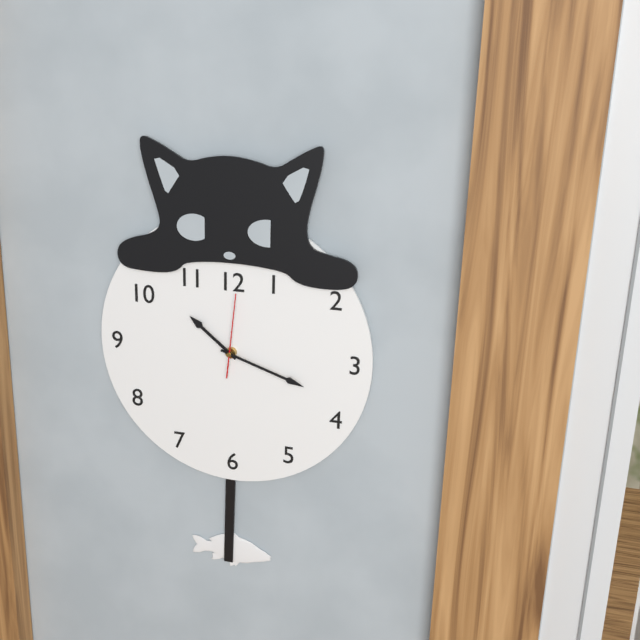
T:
10.18.01
